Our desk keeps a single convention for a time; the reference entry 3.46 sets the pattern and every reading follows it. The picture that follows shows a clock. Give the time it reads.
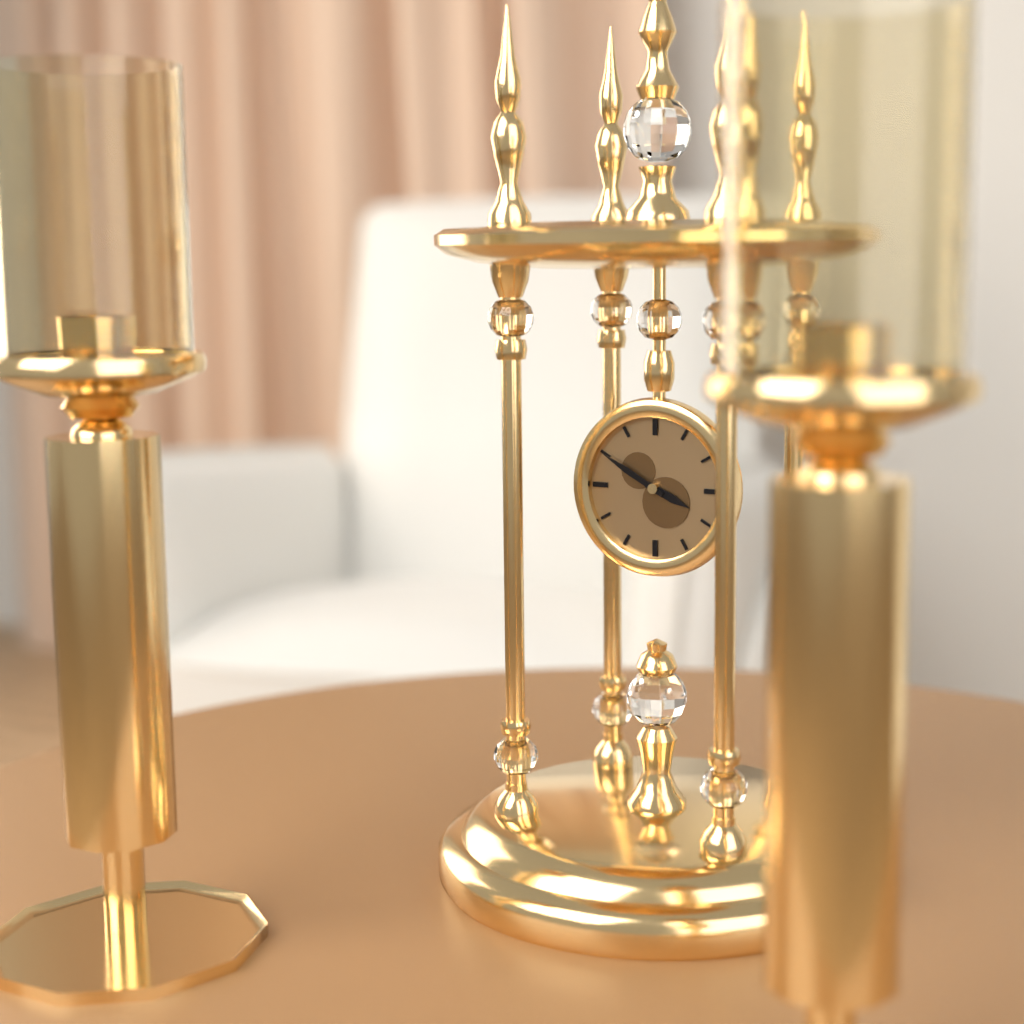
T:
3.50
